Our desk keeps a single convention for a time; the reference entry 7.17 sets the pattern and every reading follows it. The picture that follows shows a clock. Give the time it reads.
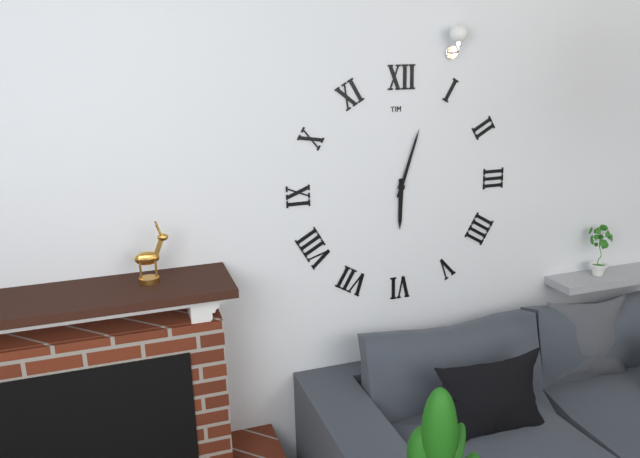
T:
6.03
